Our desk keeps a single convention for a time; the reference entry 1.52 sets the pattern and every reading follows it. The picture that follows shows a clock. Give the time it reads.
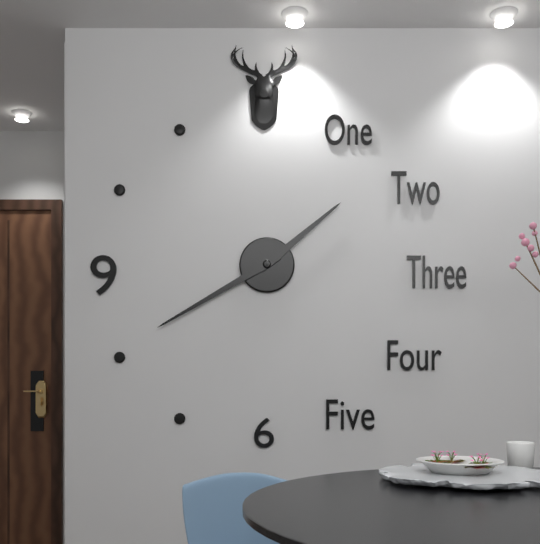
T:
1.40
